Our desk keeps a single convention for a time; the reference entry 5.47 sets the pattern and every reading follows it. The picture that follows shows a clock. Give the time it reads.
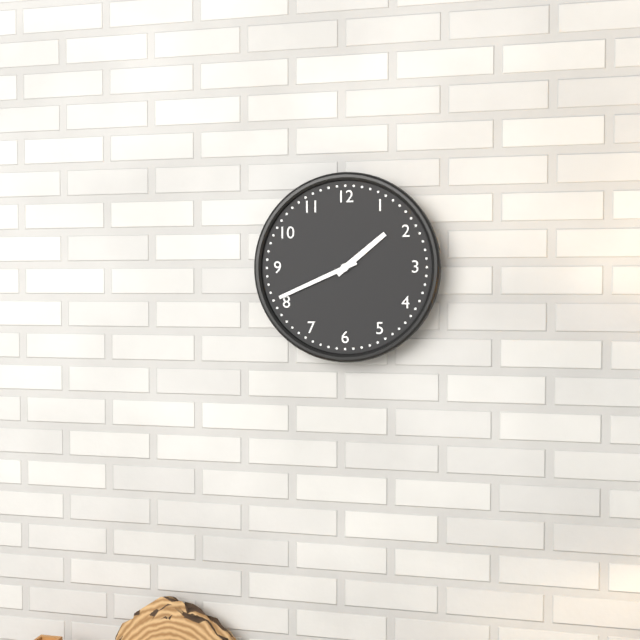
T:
1.41
